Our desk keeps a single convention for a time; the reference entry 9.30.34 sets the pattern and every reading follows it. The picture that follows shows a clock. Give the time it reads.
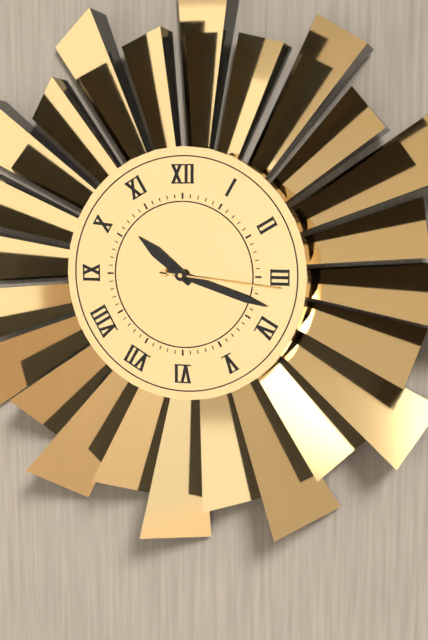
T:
10.18.16
